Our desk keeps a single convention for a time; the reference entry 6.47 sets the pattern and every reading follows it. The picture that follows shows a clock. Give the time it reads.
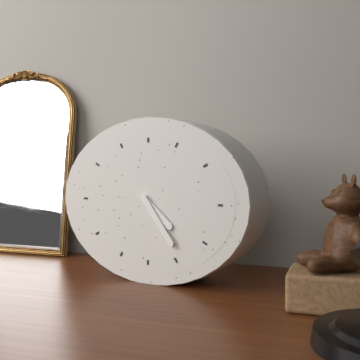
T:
4.24
